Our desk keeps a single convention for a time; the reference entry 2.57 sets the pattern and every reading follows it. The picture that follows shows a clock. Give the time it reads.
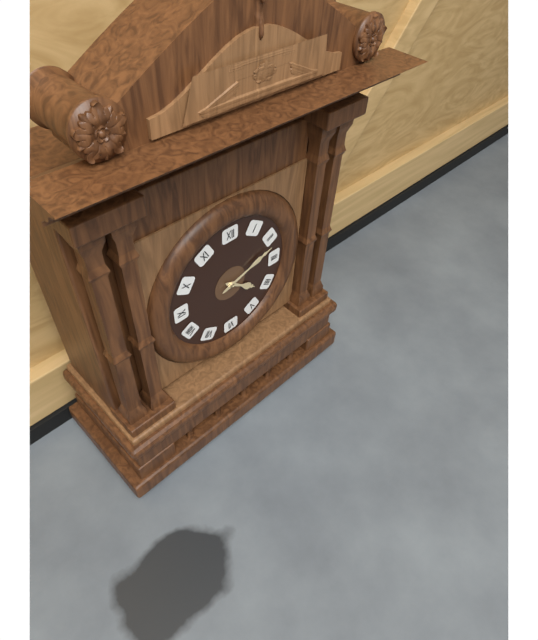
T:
4.12
